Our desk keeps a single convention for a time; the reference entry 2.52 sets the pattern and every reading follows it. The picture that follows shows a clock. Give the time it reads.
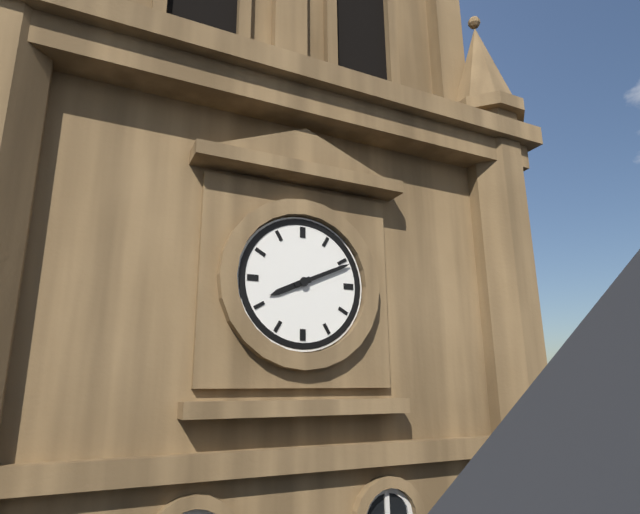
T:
8.11
